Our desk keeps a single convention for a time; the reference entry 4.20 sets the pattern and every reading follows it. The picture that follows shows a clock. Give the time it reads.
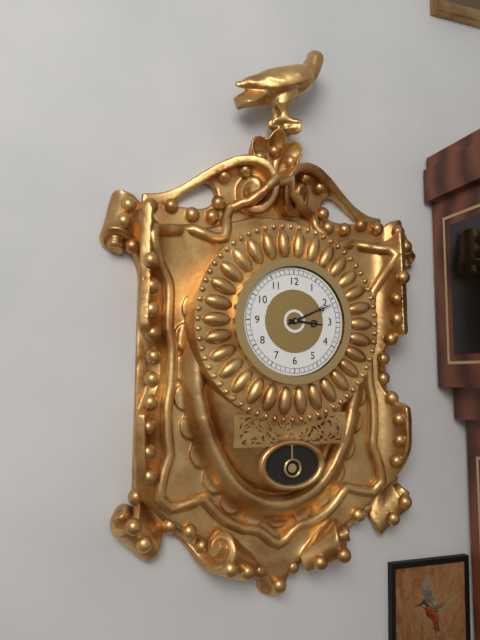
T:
3.11
